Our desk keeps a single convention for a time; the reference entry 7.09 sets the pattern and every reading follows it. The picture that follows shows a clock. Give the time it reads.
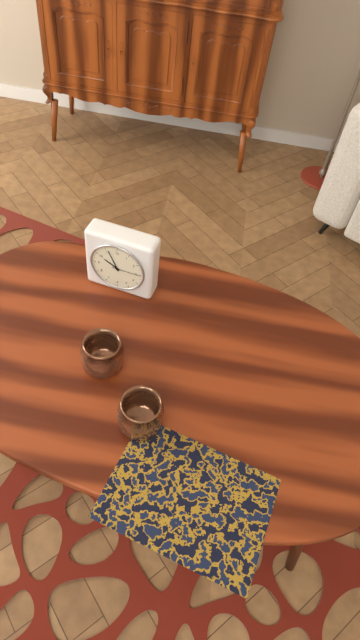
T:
9.56
